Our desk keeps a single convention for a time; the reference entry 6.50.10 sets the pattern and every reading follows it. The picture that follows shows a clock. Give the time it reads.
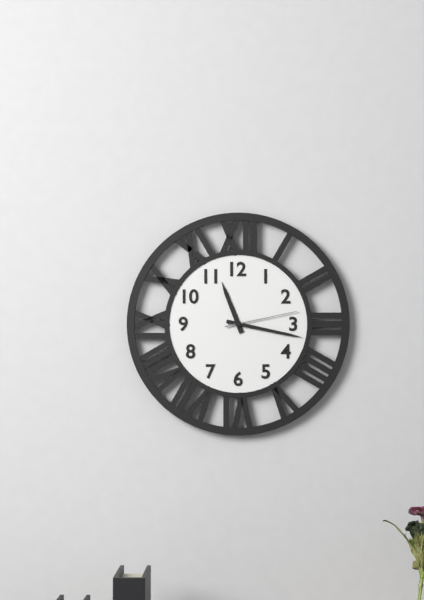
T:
11.17.13
